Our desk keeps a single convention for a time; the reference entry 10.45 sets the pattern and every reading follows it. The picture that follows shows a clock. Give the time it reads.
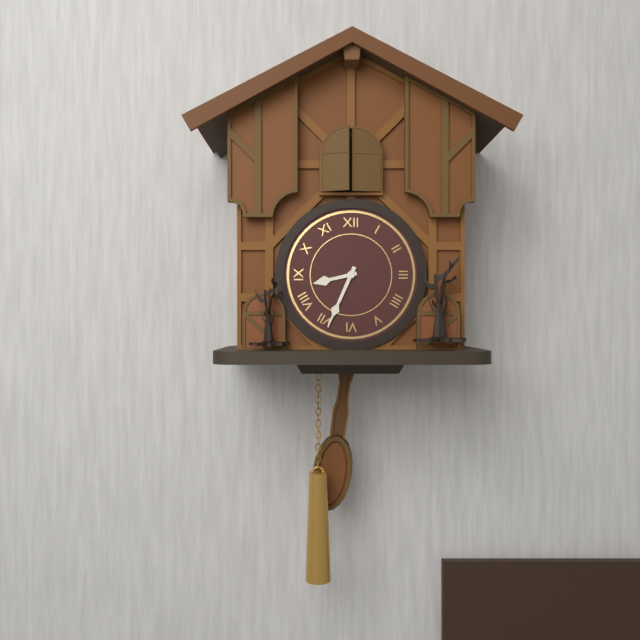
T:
8.34
